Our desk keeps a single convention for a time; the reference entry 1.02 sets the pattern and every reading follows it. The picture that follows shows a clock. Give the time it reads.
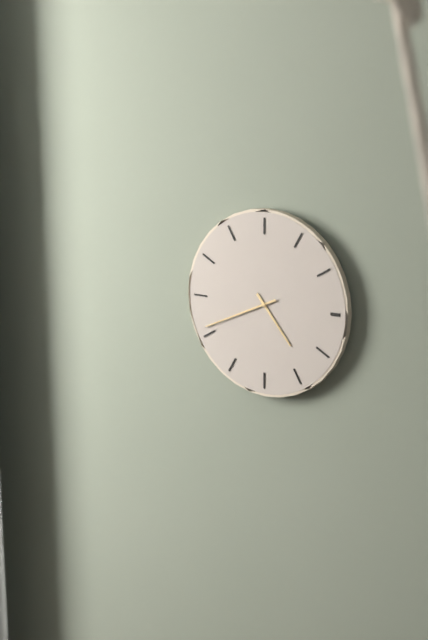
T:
4.41
